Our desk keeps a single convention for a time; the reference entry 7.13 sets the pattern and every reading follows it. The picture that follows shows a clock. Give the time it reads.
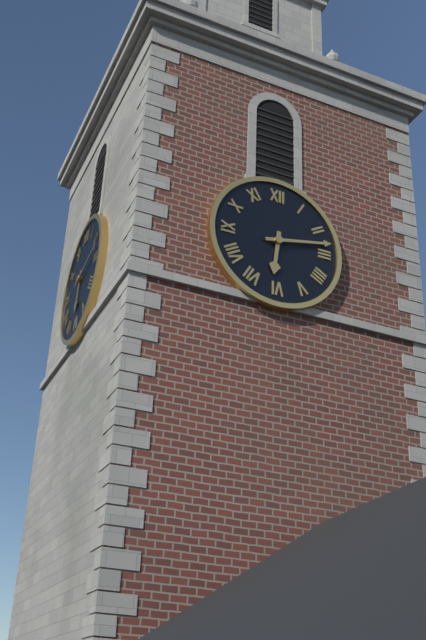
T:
6.13
